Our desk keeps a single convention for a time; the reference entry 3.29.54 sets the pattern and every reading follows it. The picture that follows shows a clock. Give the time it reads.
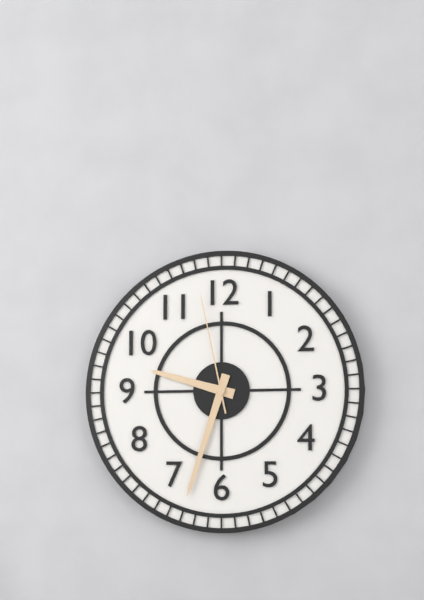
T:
9.33.58
